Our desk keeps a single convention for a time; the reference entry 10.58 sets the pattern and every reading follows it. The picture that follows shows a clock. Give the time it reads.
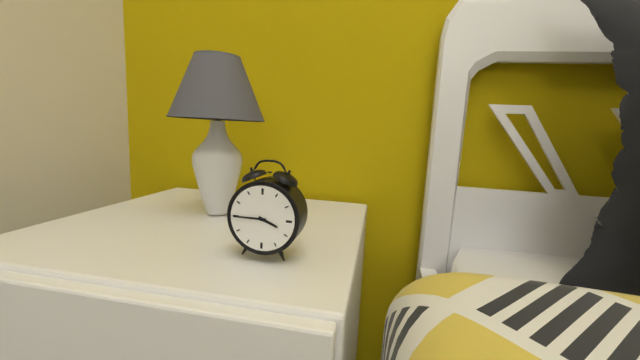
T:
3.45
